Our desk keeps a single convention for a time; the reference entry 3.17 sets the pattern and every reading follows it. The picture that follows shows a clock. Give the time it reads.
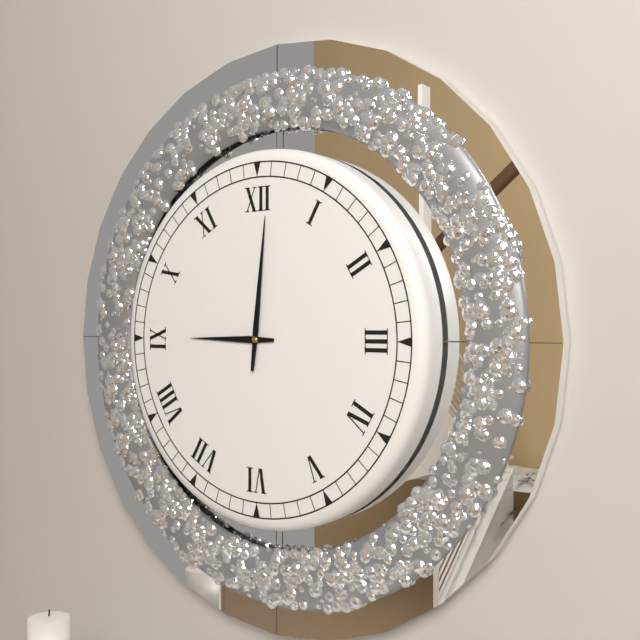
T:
9.01
